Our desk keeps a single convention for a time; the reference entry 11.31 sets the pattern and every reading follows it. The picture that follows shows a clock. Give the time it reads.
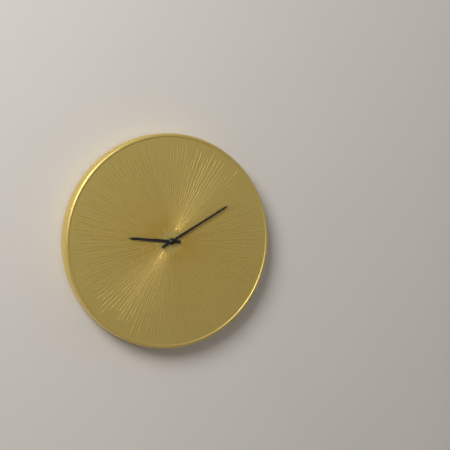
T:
9.10
